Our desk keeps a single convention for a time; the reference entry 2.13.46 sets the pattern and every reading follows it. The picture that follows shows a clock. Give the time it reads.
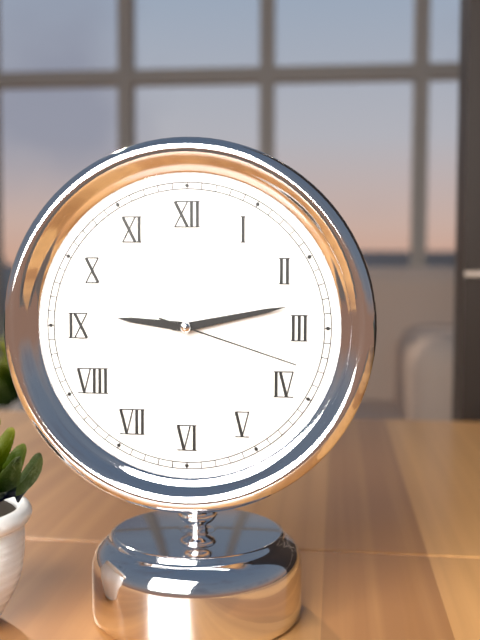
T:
9.13.18
